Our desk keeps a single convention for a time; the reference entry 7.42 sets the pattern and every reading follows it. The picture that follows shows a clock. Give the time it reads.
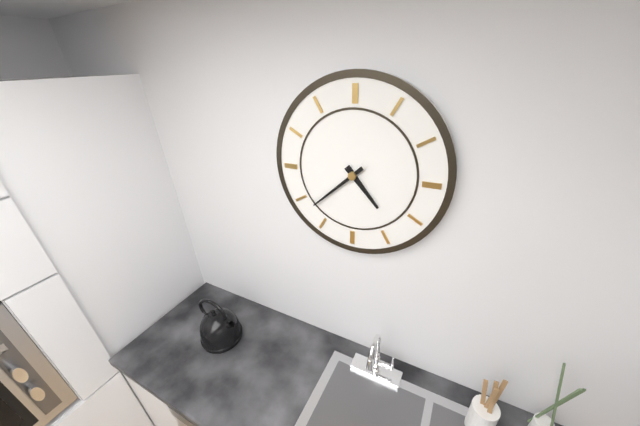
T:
4.38
